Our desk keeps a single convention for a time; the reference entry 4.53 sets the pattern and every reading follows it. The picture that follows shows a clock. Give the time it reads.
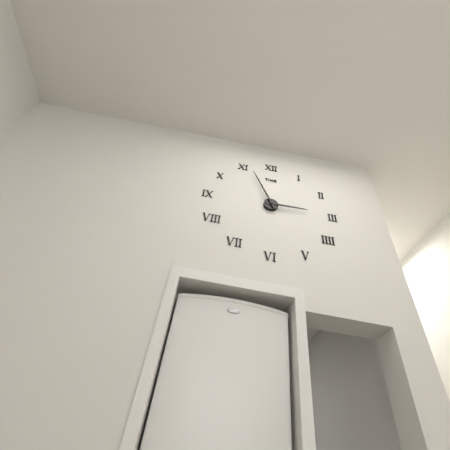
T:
2.56
